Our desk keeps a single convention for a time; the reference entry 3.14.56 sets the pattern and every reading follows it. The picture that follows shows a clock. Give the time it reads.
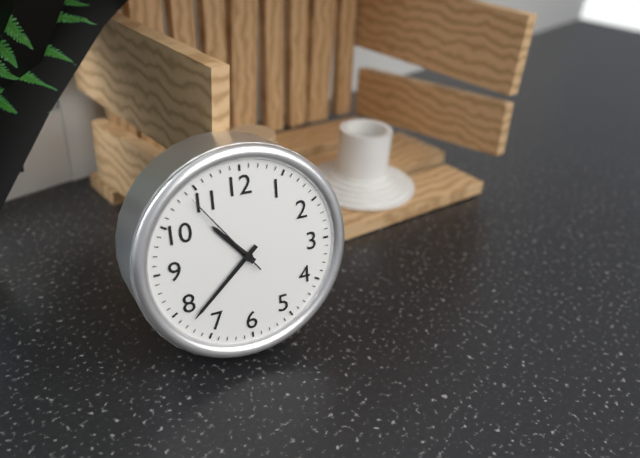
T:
10.38.54
